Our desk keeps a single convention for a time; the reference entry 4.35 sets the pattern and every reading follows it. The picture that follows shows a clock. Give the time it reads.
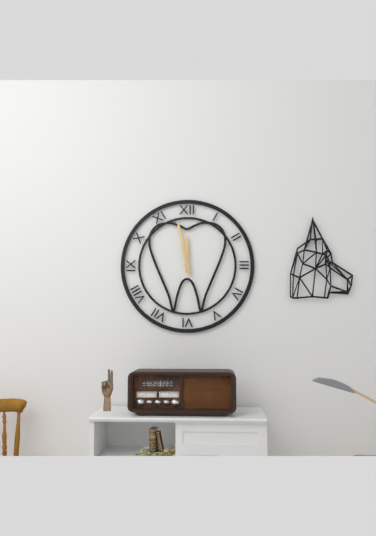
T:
11.58
